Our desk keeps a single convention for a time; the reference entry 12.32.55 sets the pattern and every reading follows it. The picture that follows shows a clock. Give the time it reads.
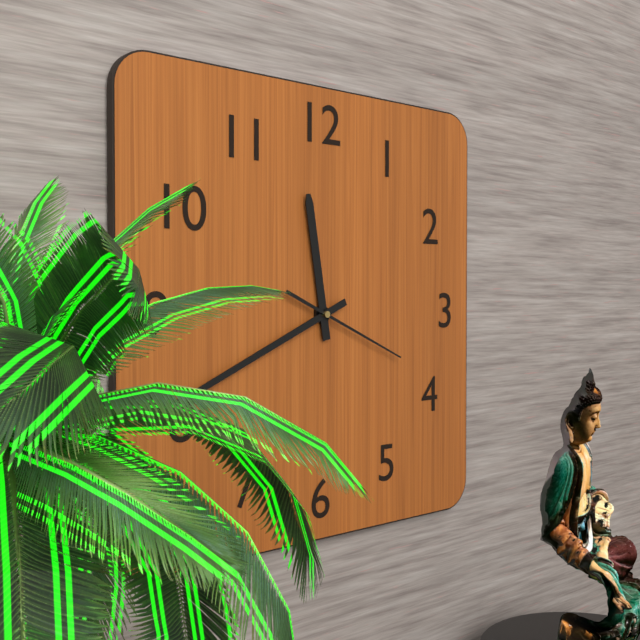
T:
11.41.19
